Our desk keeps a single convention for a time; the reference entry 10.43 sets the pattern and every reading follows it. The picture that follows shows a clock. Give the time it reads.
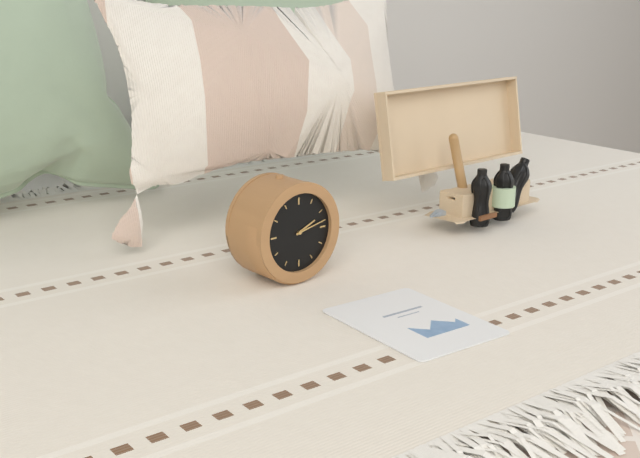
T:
2.13
